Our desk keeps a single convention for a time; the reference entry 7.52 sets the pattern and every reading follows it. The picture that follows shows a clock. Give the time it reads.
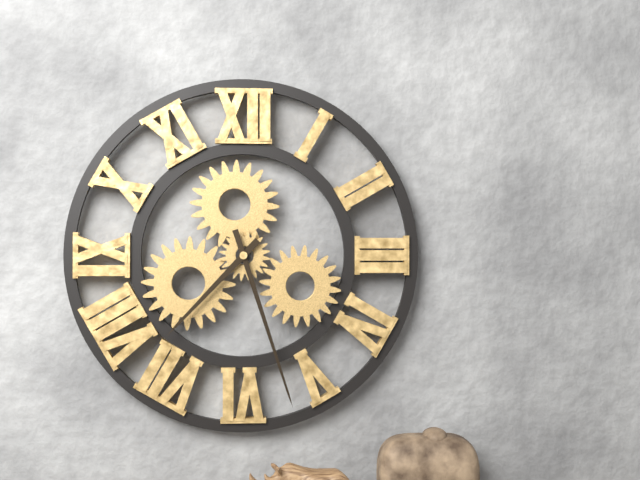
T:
7.27
